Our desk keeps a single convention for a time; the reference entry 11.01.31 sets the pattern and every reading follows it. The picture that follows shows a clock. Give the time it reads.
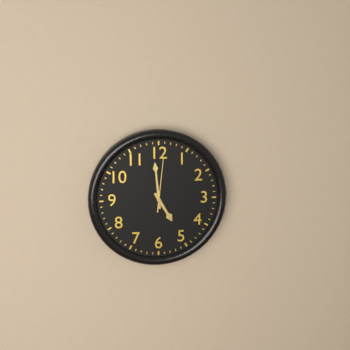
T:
4.59.01
